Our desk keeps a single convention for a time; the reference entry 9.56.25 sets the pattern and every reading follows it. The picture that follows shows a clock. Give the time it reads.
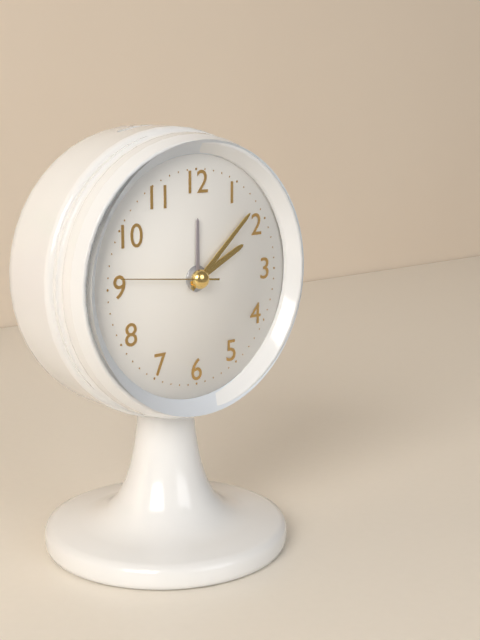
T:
2.08.46
